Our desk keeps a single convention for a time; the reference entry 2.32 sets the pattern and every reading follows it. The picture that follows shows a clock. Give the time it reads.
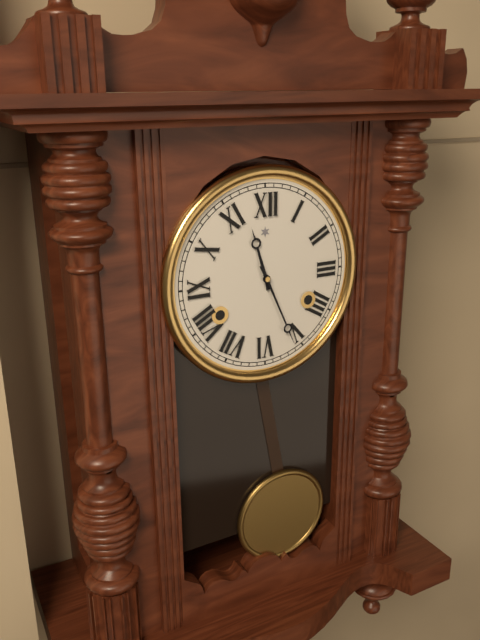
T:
11.26
